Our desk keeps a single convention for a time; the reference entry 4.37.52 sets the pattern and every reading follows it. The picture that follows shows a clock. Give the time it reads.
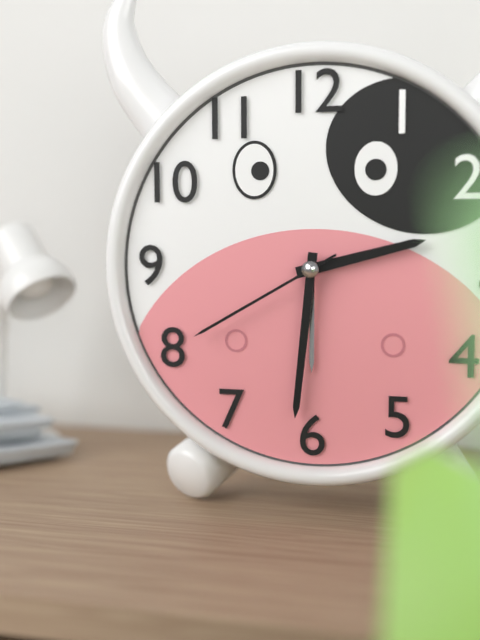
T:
2.31.40
